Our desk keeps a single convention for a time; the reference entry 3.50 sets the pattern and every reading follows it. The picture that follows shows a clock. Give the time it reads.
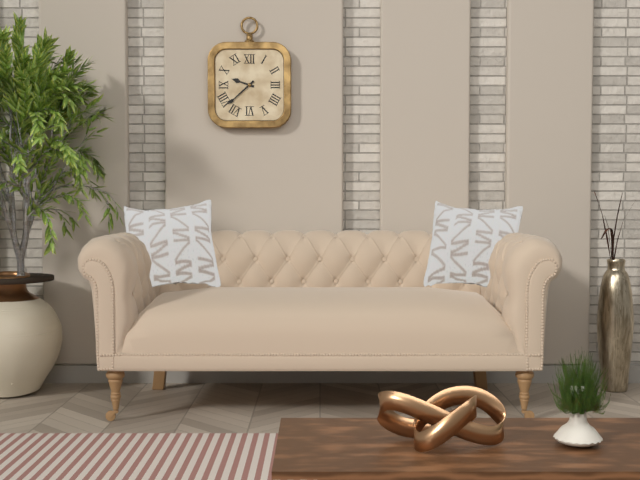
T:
9.38
